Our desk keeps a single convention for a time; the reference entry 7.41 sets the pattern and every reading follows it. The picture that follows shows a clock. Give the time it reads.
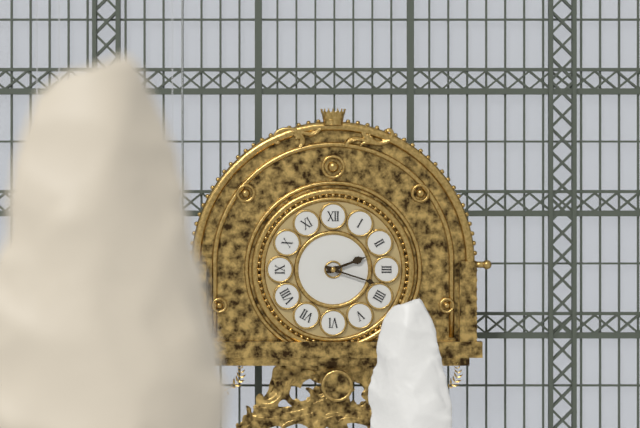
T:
2.18
